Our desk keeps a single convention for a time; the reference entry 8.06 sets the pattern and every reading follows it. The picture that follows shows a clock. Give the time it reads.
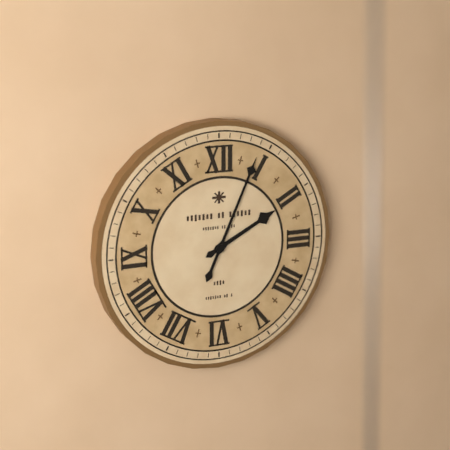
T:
2.04
